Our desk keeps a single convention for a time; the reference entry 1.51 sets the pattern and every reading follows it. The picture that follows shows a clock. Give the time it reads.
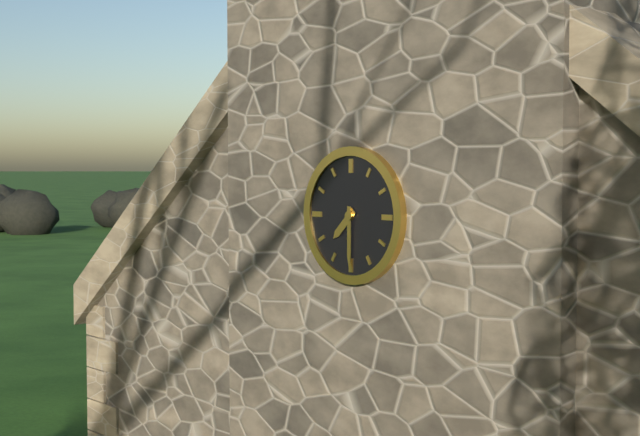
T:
7.30
